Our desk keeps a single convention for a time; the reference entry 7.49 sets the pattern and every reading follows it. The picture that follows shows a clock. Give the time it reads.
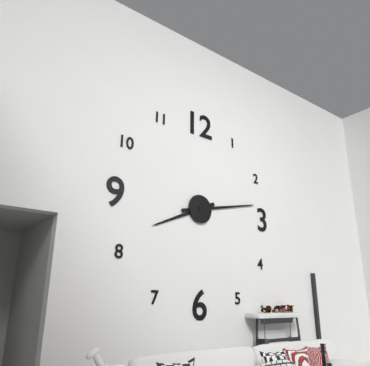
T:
8.13
